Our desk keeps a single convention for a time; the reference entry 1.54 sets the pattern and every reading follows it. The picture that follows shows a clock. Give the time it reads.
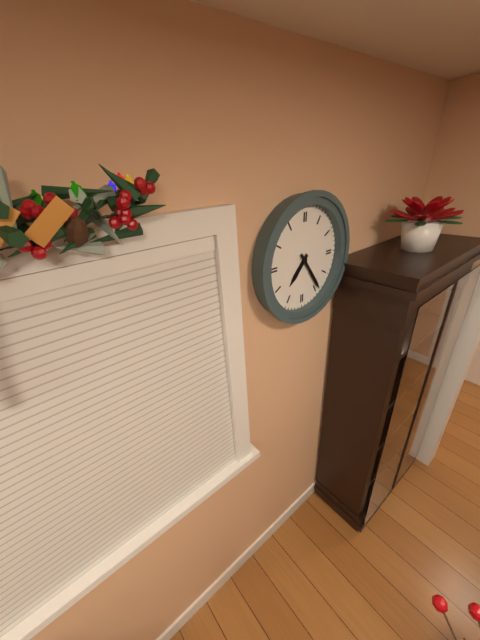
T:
7.24
